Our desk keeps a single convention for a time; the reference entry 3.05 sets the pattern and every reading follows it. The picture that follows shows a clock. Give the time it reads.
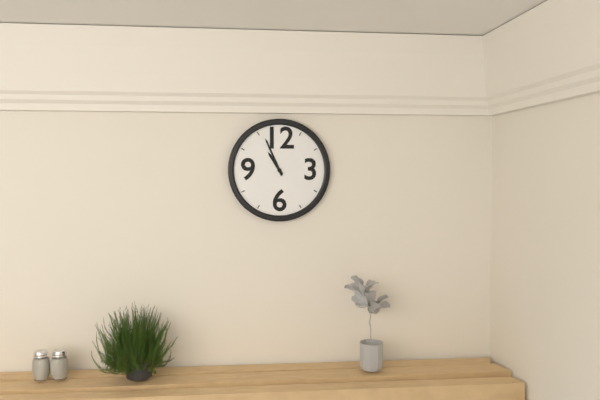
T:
10.56
